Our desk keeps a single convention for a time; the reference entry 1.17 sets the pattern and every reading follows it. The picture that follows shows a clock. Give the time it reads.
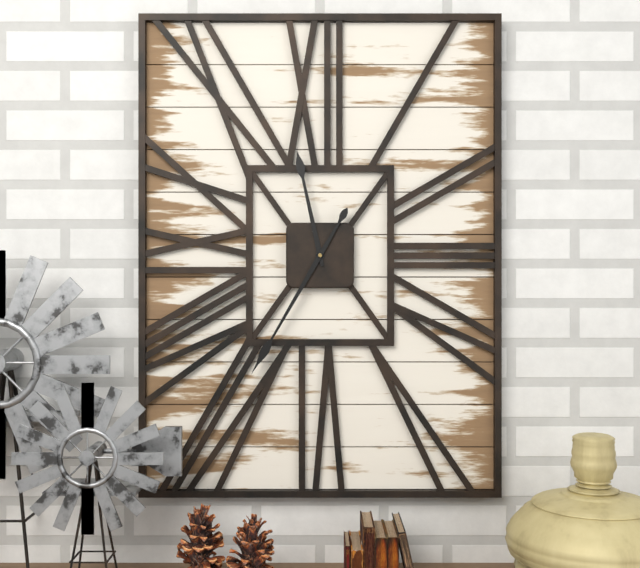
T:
11.35
